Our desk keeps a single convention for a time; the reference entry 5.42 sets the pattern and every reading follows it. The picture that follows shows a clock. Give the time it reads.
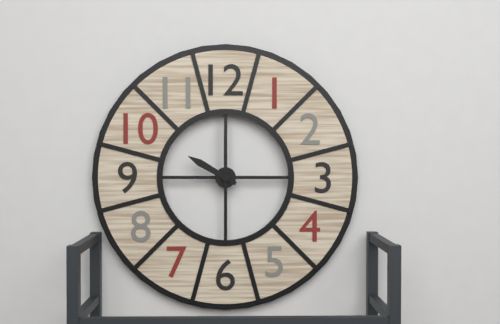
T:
10.00
